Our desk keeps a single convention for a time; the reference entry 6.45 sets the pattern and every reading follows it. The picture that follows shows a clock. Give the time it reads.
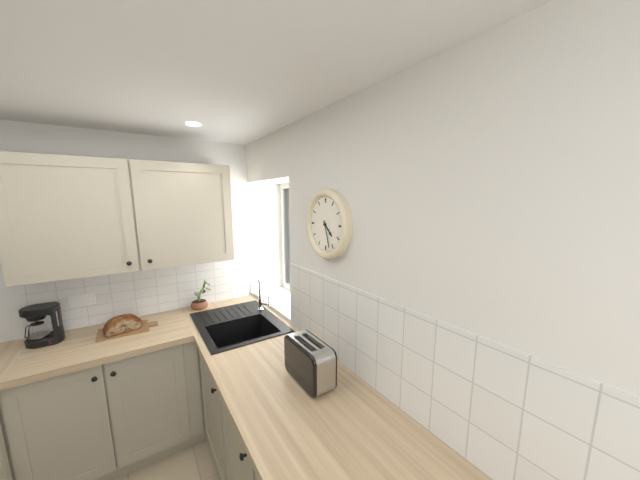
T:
4.27
